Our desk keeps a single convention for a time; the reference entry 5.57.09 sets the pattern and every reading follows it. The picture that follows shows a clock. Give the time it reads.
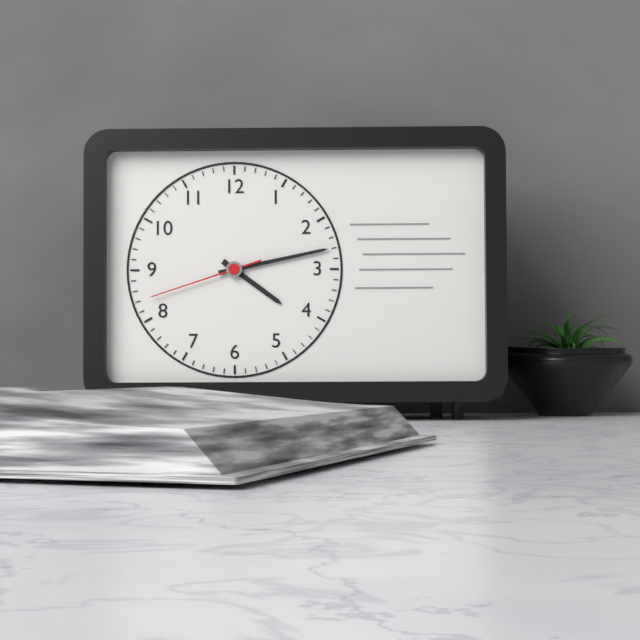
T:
4.13.42
